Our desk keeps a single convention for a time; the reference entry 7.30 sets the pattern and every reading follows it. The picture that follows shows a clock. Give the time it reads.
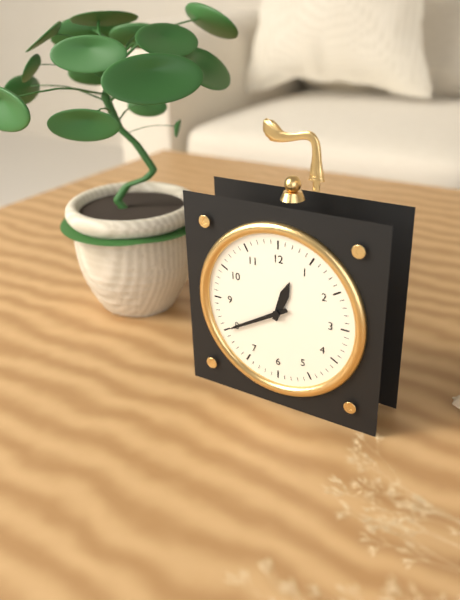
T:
12.40
